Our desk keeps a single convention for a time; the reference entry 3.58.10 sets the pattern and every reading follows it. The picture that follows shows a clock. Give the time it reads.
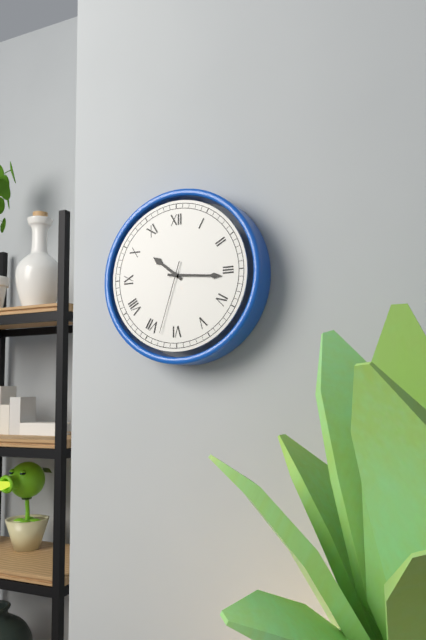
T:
10.16.33
